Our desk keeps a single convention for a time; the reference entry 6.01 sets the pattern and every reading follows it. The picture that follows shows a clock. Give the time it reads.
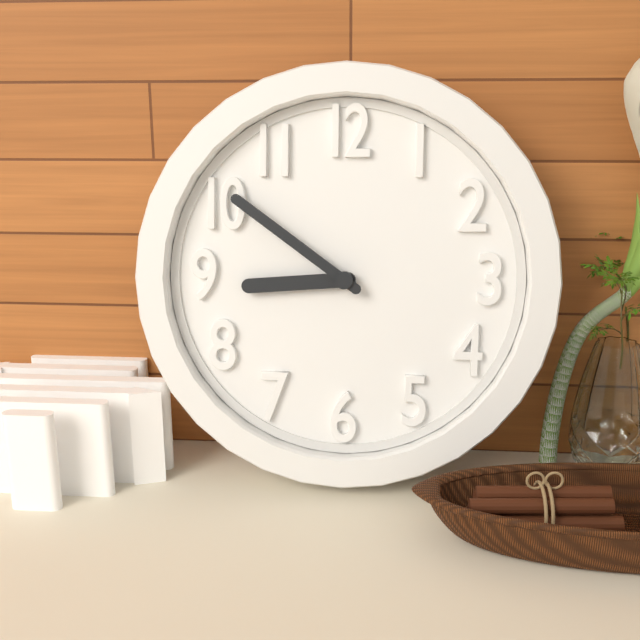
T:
8.51
